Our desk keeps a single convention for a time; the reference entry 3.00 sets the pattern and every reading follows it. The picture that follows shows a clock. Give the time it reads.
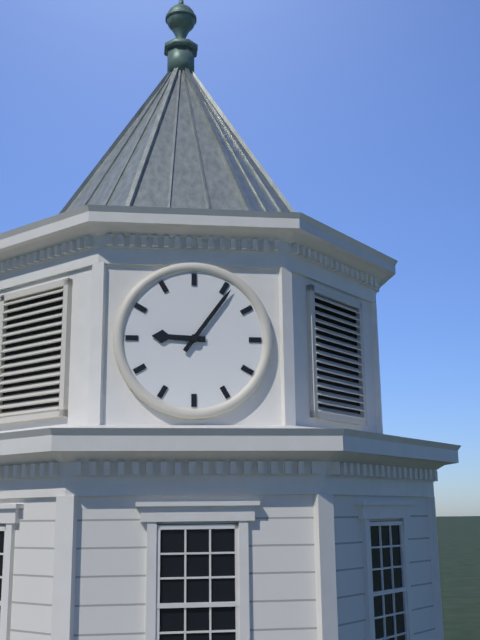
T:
9.06
